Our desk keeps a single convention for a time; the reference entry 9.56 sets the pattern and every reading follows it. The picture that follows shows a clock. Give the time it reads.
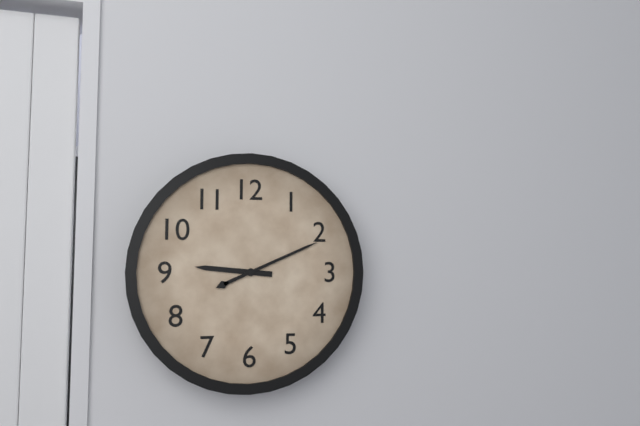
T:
9.11
